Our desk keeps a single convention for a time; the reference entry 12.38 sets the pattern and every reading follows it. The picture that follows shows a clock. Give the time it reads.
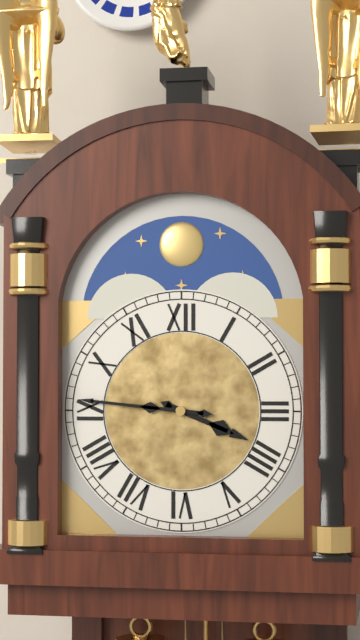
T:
3.46
